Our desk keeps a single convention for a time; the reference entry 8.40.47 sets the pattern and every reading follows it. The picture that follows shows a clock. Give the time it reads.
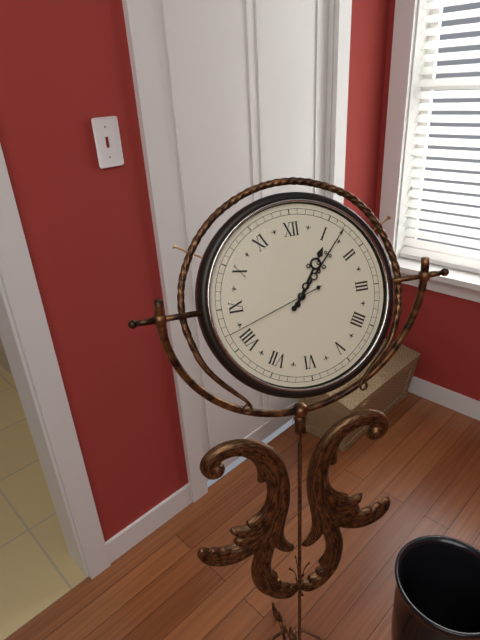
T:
1.07.42
